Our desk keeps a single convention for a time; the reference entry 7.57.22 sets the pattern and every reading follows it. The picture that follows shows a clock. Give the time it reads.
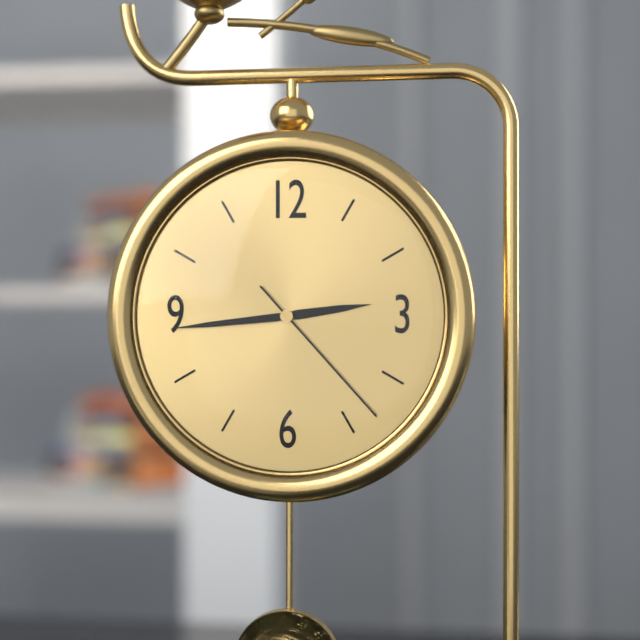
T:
2.44.23
